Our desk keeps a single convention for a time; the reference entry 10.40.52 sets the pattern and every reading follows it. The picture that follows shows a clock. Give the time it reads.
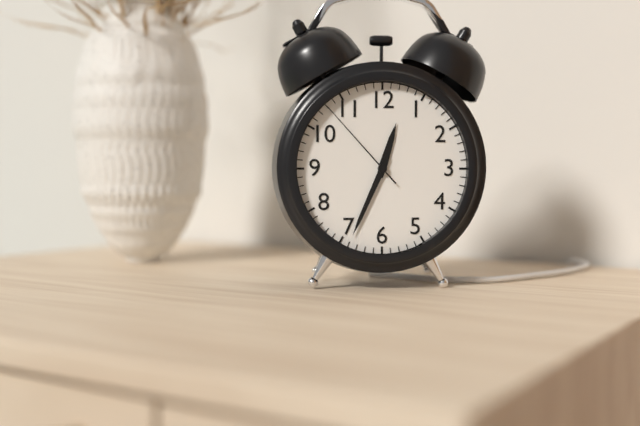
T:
12.34.53
